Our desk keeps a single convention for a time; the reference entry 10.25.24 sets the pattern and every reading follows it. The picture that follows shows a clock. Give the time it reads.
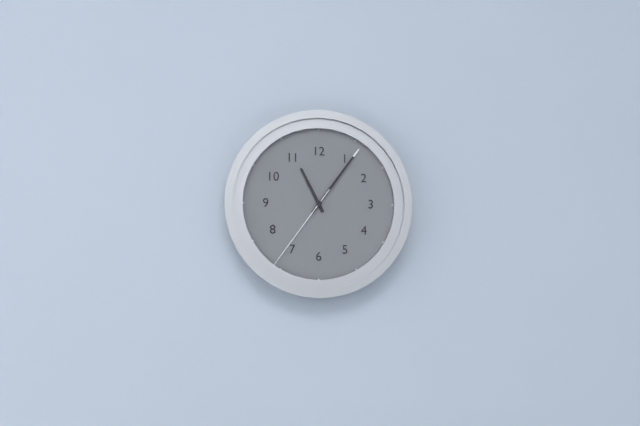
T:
11.06.36
